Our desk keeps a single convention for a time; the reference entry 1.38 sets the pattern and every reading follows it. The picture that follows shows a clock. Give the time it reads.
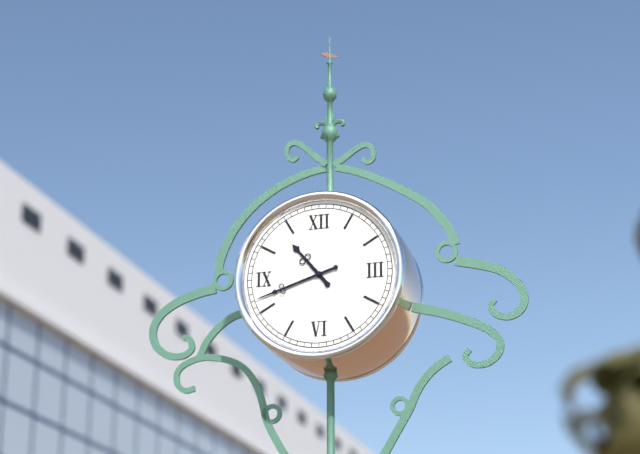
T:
10.42
